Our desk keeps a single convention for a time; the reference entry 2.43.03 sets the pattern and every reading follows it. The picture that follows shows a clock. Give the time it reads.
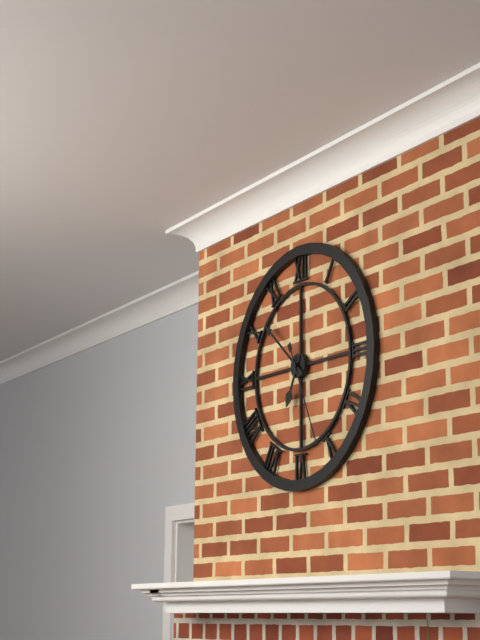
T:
6.52.26
